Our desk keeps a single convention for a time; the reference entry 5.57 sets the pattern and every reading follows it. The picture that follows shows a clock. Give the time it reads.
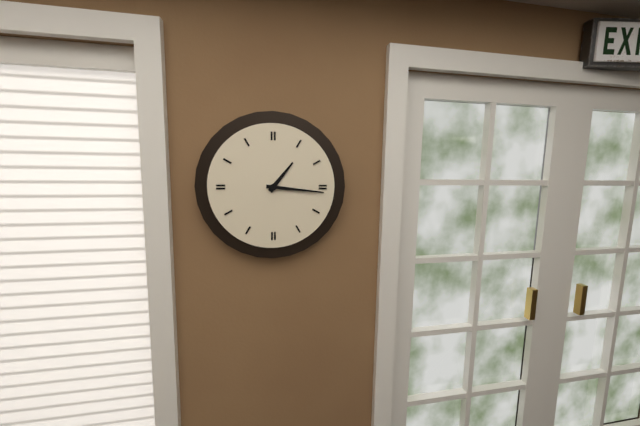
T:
1.16
